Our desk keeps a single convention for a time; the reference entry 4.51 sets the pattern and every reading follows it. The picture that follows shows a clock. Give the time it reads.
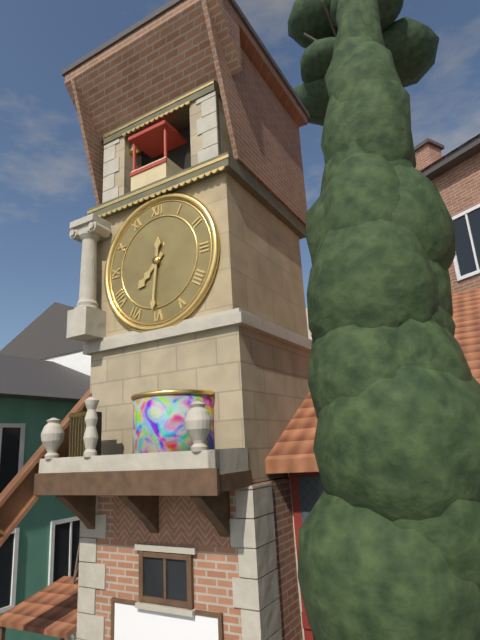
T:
7.31
